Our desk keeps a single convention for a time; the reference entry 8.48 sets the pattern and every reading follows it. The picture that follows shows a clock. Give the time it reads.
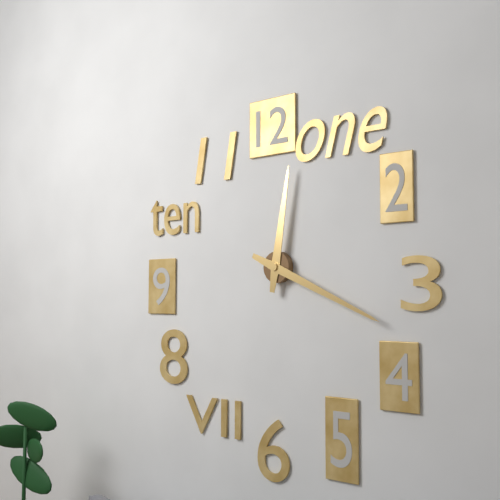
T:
12.19
